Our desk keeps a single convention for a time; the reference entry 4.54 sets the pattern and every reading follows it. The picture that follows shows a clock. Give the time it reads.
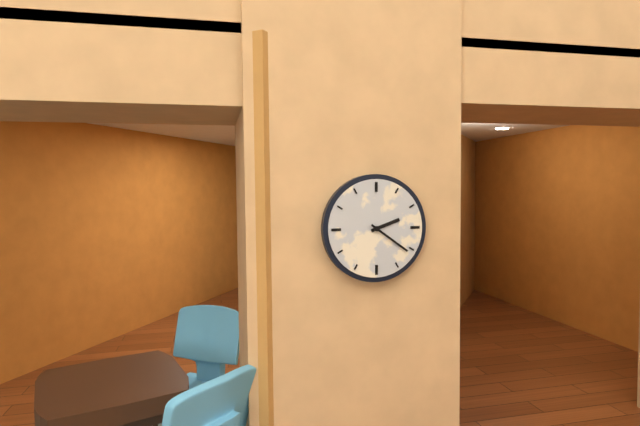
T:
2.21
